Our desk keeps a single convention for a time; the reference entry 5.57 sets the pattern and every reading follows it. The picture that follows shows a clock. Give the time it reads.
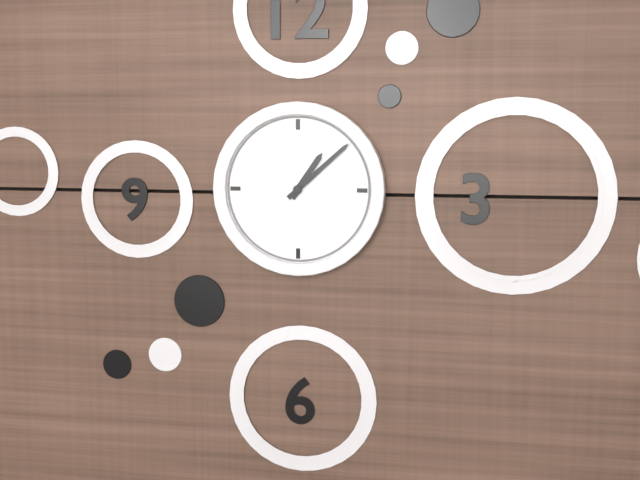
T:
1.08
